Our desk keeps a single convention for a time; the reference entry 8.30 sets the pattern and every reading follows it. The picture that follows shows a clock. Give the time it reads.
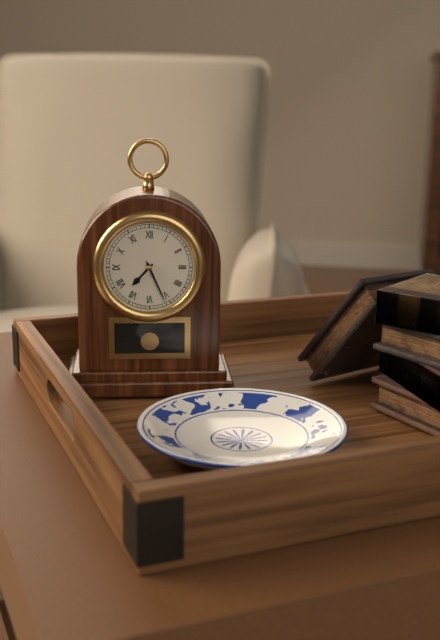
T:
7.26
